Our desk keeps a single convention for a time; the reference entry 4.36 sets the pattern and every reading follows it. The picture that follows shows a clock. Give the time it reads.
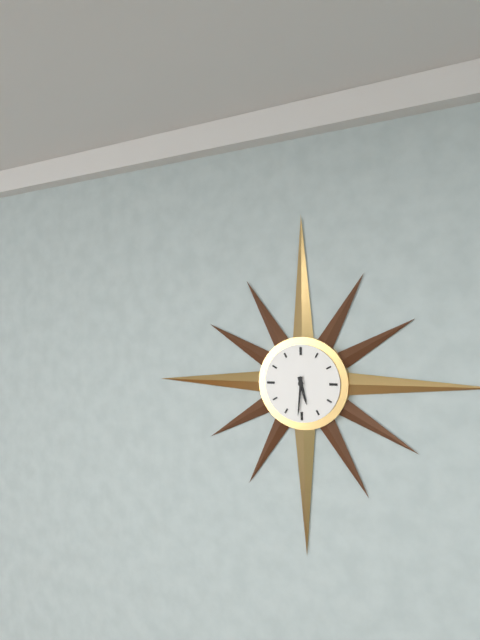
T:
5.31
